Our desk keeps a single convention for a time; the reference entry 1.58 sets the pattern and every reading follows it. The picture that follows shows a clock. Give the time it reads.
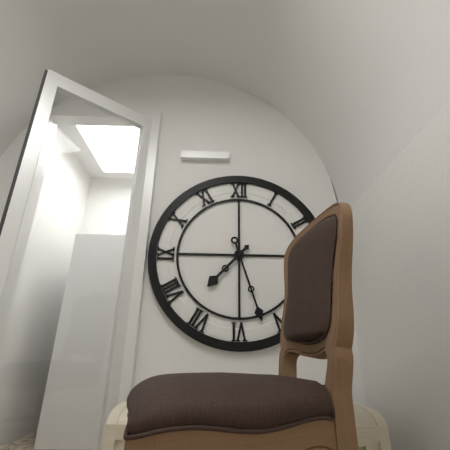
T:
7.27
